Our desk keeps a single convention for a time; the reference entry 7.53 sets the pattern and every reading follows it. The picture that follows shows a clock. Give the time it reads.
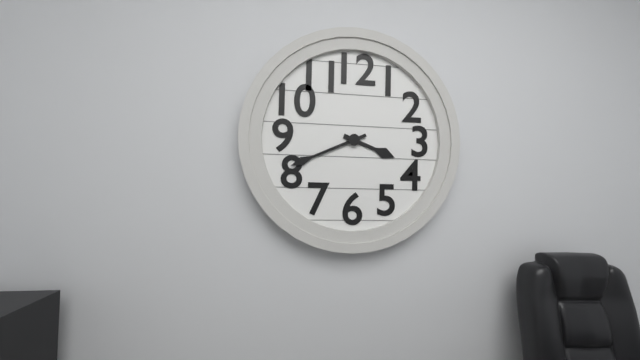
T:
3.41
